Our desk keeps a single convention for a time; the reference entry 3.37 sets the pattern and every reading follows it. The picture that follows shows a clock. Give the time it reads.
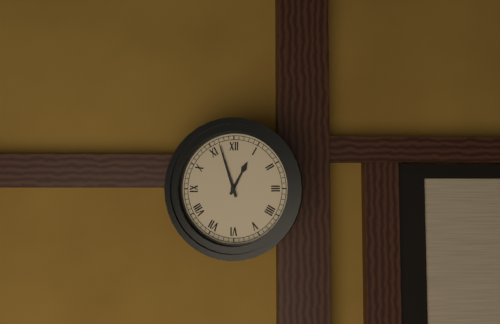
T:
12.57
